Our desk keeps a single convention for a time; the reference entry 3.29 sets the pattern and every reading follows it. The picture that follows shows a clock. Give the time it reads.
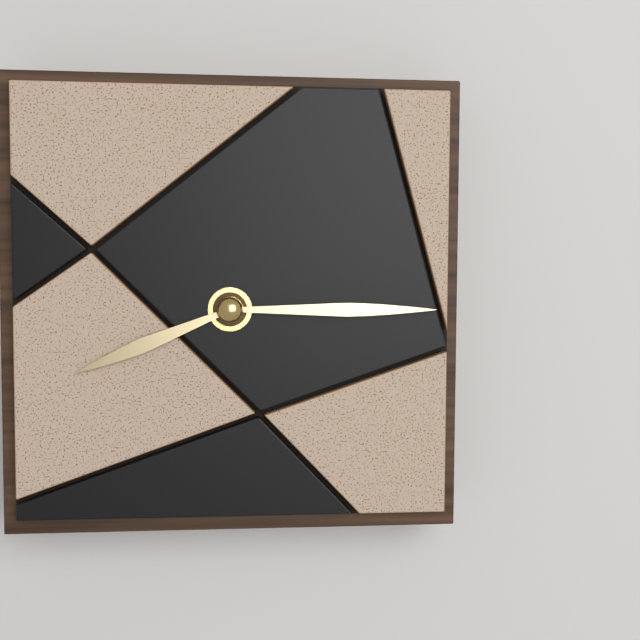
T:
8.15
